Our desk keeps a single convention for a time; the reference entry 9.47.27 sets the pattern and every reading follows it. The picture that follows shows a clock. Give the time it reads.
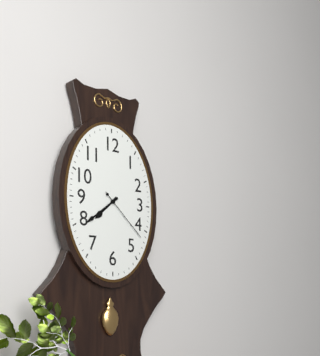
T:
7.39.22
